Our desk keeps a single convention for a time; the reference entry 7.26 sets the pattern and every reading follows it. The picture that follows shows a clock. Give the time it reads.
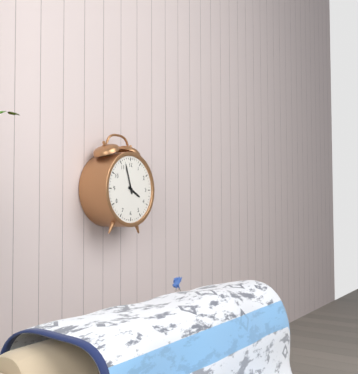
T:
3.57
